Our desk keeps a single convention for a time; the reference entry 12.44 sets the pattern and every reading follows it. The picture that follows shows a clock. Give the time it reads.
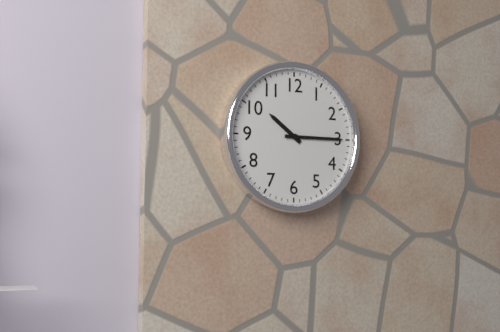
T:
10.15
